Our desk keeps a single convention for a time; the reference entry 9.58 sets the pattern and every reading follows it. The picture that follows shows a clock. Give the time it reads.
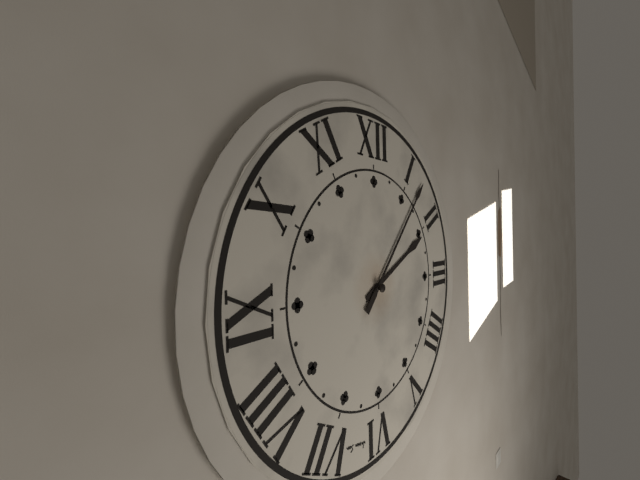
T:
2.07
